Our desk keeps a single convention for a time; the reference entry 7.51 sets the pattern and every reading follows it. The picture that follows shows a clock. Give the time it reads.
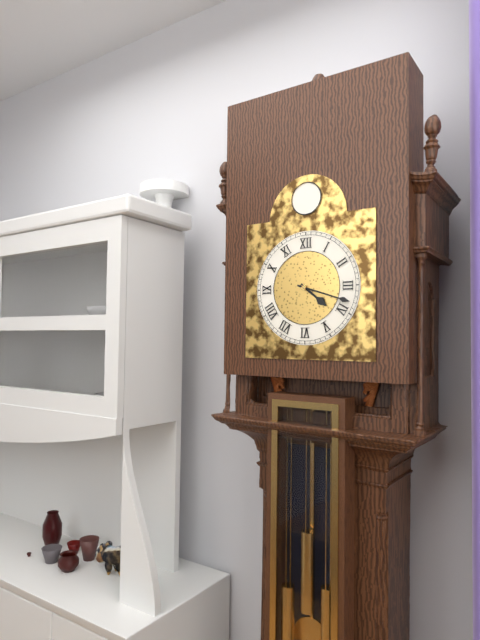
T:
4.18
